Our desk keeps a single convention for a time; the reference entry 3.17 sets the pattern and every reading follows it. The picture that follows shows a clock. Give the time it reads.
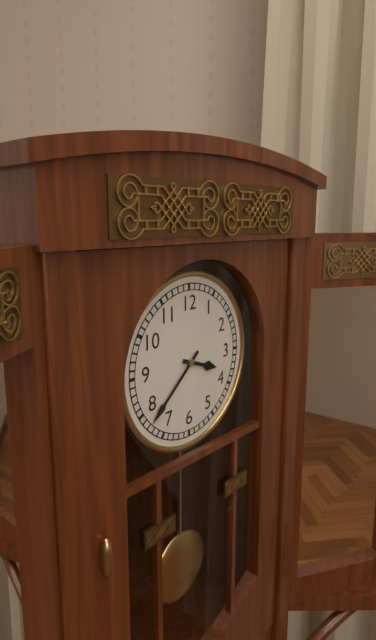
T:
3.38
